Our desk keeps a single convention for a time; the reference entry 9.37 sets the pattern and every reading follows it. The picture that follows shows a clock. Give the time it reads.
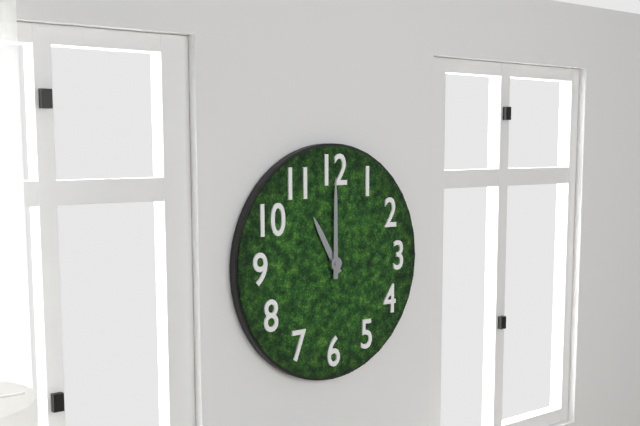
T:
11.00
